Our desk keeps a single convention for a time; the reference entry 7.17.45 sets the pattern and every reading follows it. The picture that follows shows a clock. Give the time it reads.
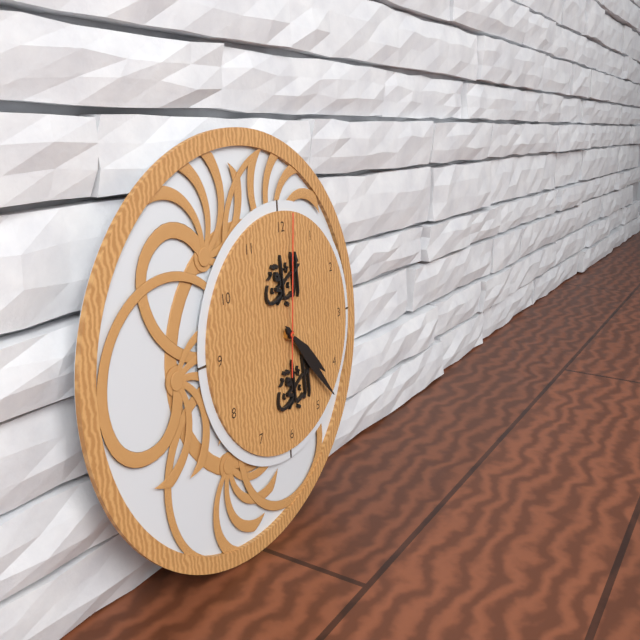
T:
4.23.01
